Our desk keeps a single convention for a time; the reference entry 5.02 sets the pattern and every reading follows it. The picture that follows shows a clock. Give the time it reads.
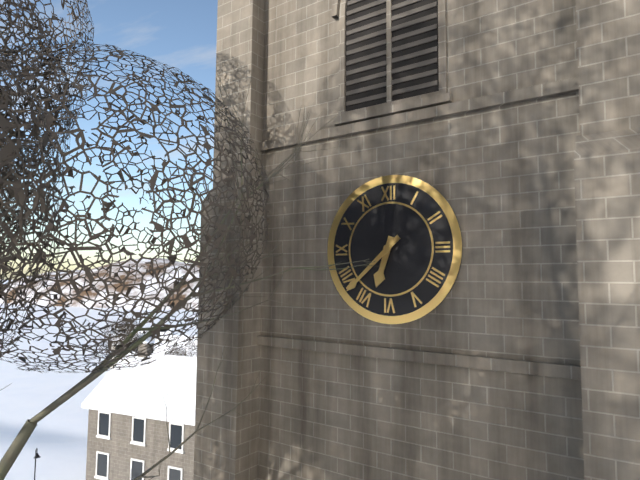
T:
6.38
